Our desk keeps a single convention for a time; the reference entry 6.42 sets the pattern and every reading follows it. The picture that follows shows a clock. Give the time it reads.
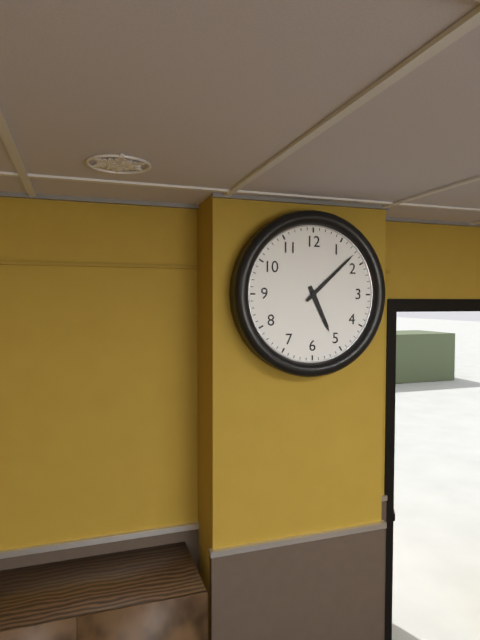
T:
5.08
